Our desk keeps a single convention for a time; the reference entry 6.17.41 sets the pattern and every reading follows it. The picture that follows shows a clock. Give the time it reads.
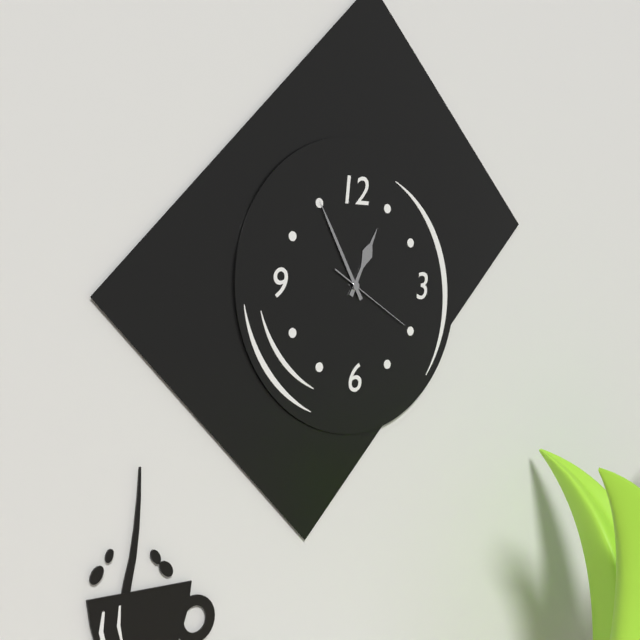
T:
12.55.20
